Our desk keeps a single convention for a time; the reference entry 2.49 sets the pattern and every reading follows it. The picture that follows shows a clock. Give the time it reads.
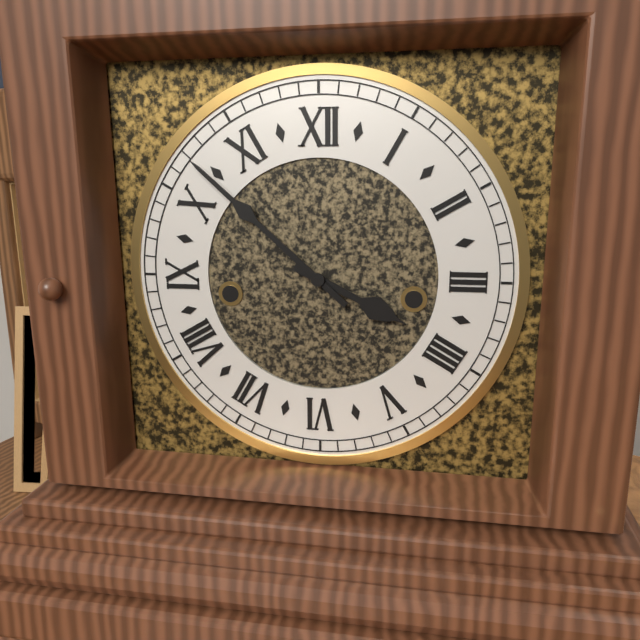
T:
3.52
